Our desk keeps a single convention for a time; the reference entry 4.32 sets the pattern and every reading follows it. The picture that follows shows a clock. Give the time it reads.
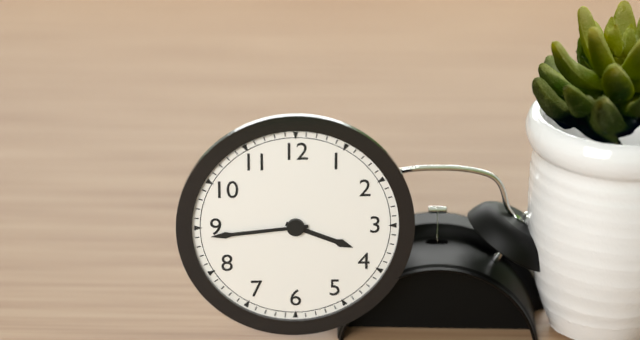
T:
3.44
